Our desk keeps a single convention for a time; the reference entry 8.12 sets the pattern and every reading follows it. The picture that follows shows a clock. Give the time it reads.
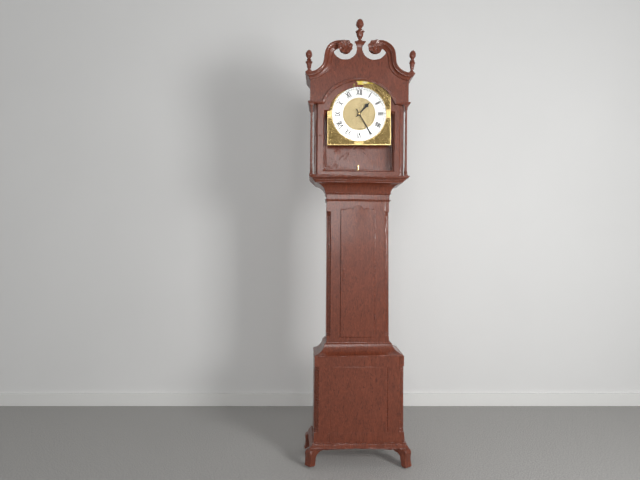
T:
1.25
